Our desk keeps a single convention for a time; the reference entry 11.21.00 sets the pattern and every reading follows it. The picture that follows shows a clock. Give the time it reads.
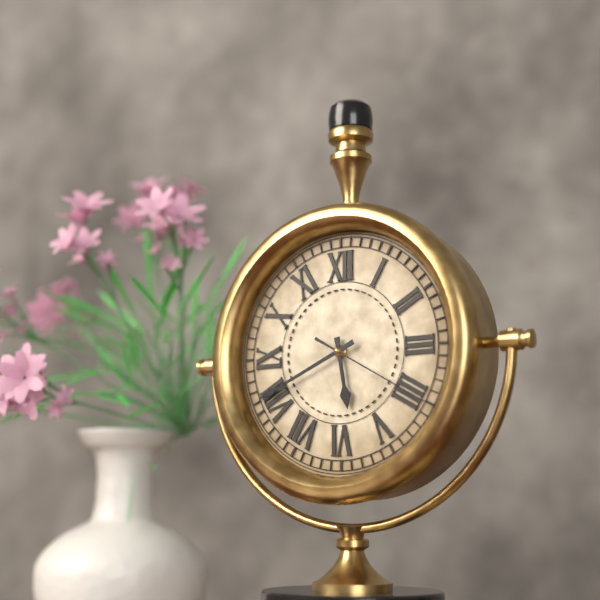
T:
5.41.20
